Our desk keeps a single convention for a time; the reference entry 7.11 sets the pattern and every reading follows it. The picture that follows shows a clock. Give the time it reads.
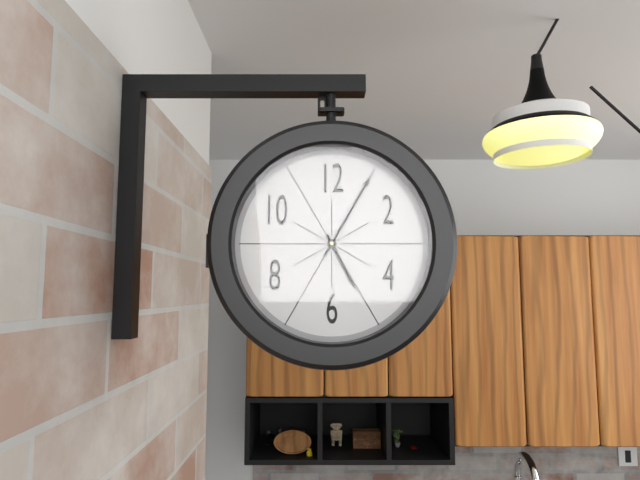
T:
5.05
